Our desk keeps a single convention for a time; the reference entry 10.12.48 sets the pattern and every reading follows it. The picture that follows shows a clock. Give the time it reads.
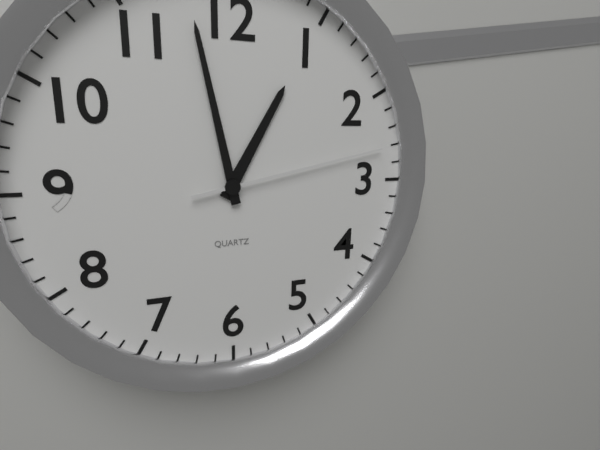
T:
12.58.13
